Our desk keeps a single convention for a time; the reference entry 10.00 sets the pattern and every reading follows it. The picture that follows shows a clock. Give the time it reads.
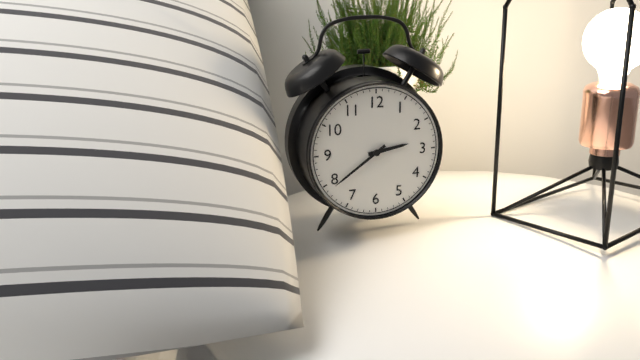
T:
2.39
